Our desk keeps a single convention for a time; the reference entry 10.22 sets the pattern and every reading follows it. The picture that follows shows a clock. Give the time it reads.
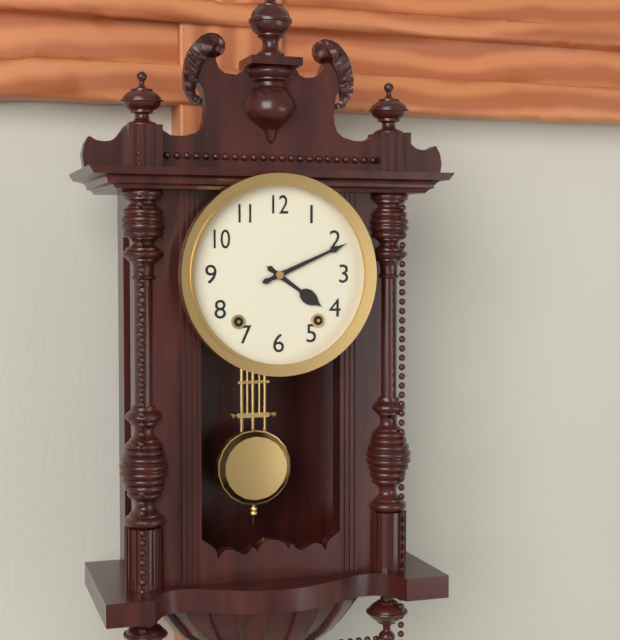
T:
4.11
